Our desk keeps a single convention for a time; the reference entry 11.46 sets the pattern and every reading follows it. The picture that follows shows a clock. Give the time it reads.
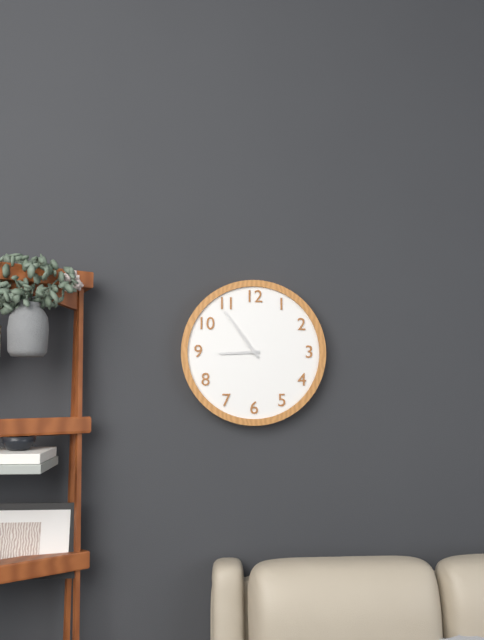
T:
8.54
